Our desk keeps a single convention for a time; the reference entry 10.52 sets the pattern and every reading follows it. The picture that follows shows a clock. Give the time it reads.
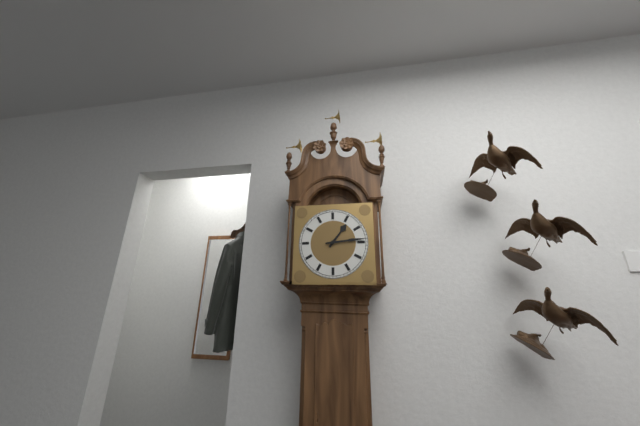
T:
1.14
